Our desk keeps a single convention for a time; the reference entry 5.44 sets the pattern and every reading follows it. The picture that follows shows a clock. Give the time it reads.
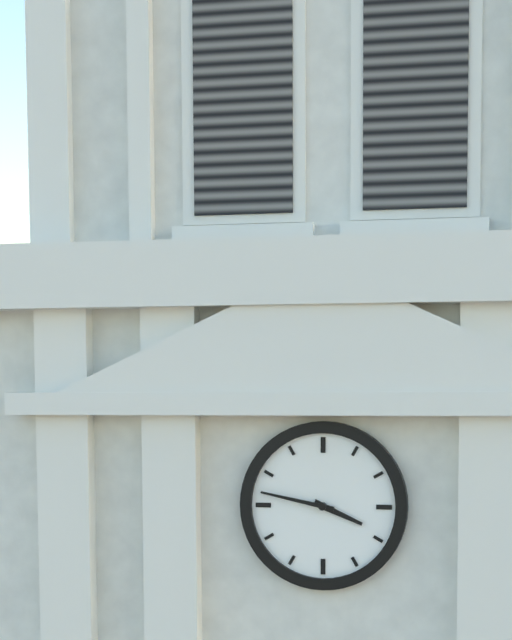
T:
3.47
